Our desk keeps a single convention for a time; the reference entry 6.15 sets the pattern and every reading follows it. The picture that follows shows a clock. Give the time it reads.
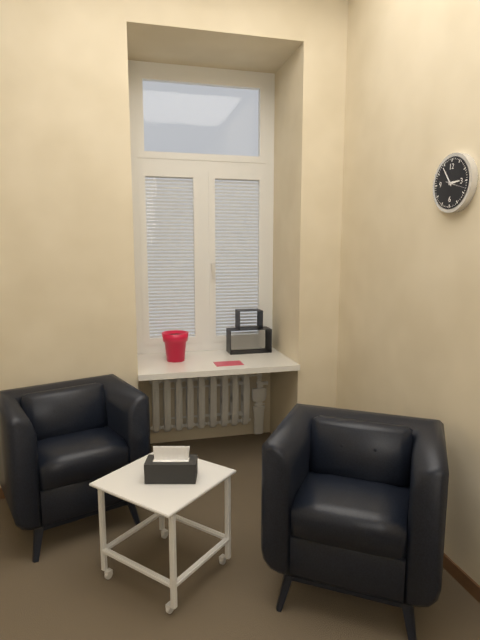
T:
2.54
